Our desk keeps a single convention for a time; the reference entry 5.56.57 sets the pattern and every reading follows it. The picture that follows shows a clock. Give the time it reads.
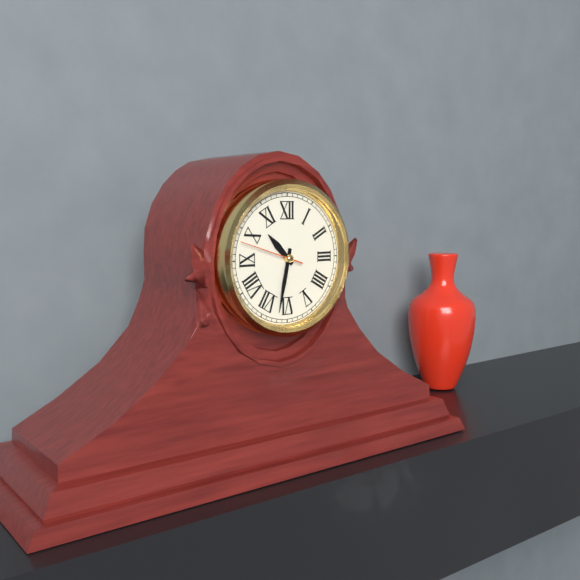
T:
10.32.48
